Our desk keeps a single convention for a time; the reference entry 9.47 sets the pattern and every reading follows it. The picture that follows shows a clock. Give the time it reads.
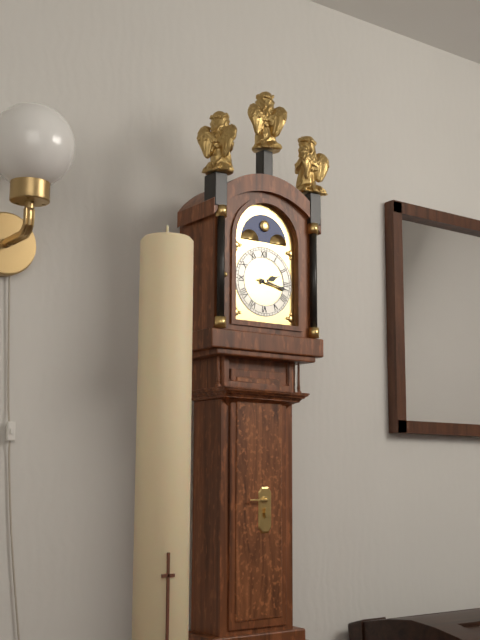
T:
2.17
